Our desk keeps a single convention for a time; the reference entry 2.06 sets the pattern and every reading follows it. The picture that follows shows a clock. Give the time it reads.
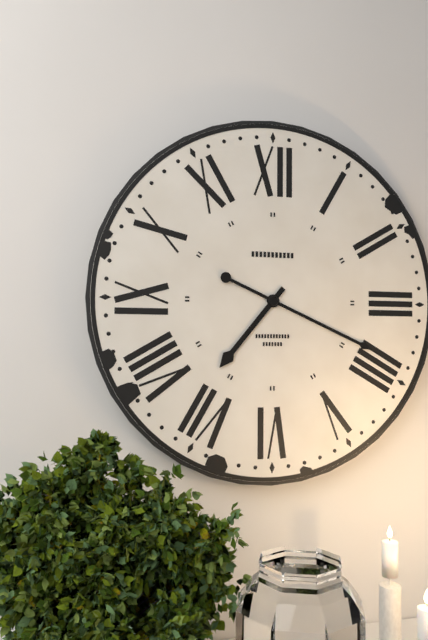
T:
7.19
